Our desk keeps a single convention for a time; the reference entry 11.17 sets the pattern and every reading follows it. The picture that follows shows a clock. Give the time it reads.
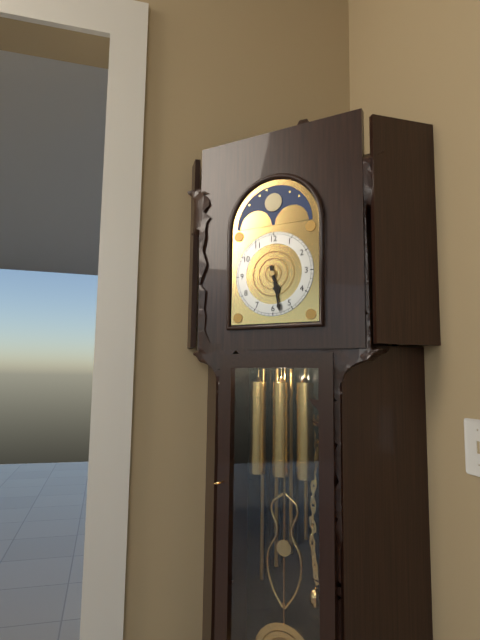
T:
5.28
